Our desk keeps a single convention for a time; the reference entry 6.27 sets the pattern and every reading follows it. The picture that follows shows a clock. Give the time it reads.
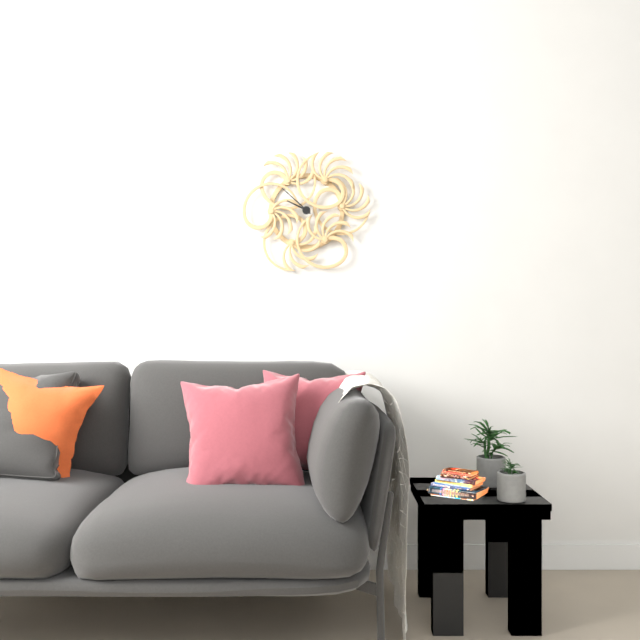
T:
9.52
